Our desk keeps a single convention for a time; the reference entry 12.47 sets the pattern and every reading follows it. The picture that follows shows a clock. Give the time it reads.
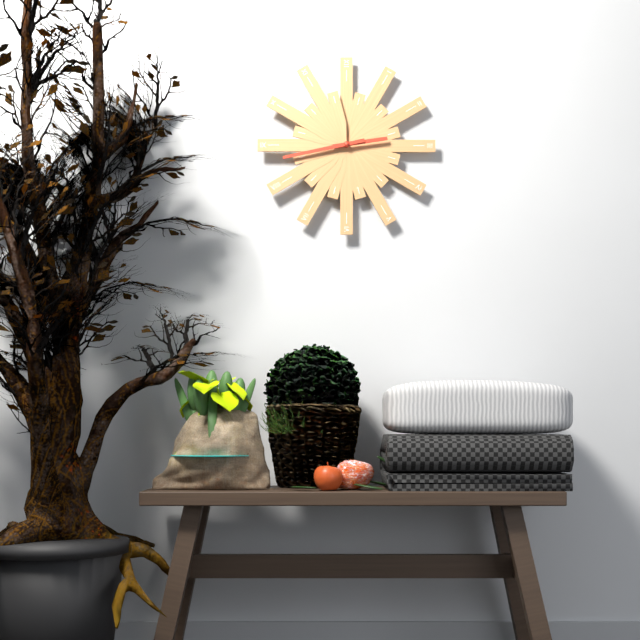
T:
2.43
